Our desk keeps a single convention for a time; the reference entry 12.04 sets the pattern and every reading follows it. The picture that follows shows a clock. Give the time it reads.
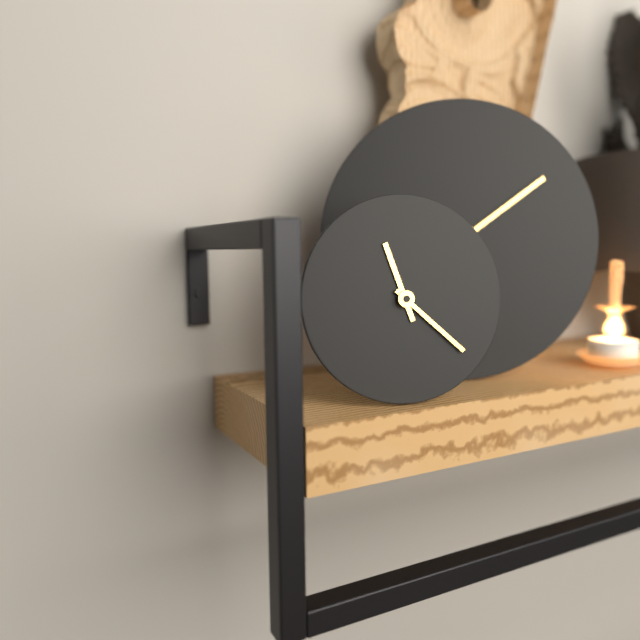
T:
11.22
